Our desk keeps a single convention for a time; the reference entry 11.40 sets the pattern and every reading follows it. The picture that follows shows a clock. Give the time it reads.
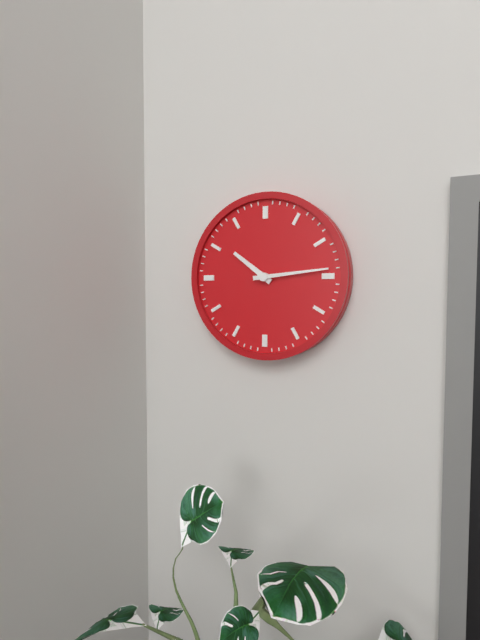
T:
10.14
